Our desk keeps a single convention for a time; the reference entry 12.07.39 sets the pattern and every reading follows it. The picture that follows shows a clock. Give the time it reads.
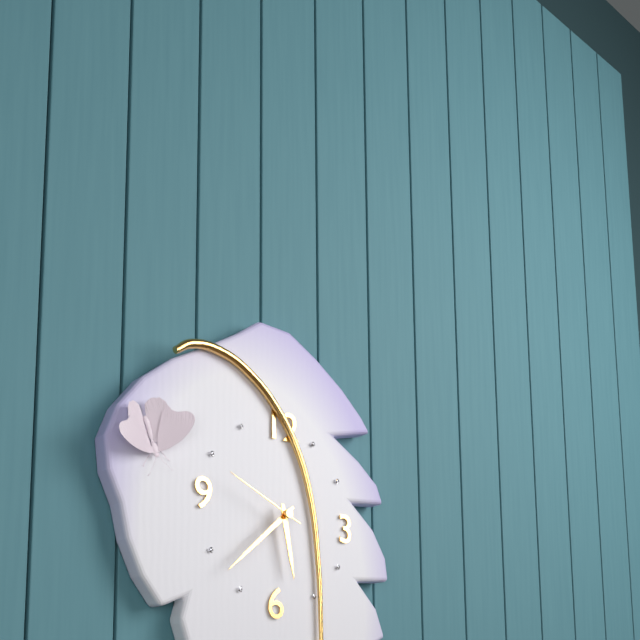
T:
5.38.49
